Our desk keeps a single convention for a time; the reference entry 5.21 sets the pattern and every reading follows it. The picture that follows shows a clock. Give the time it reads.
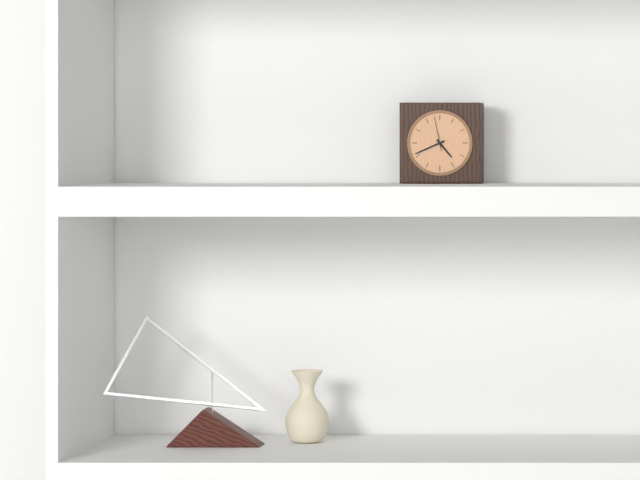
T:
4.41
